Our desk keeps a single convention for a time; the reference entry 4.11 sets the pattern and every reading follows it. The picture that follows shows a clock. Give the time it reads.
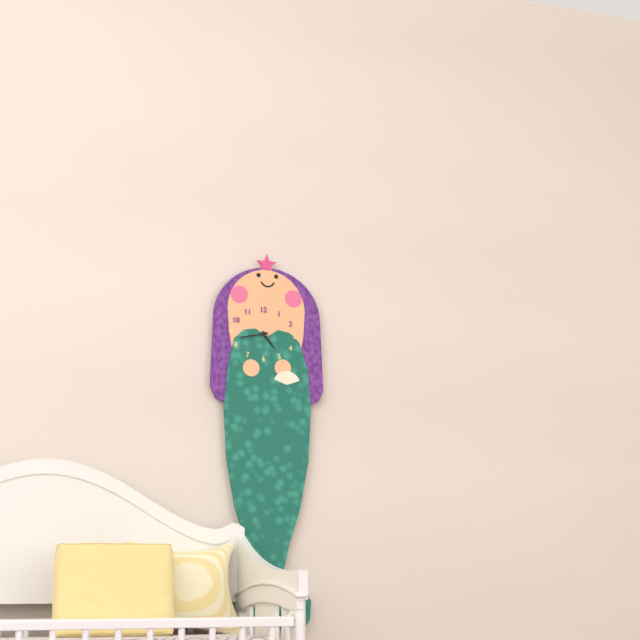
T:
4.43
